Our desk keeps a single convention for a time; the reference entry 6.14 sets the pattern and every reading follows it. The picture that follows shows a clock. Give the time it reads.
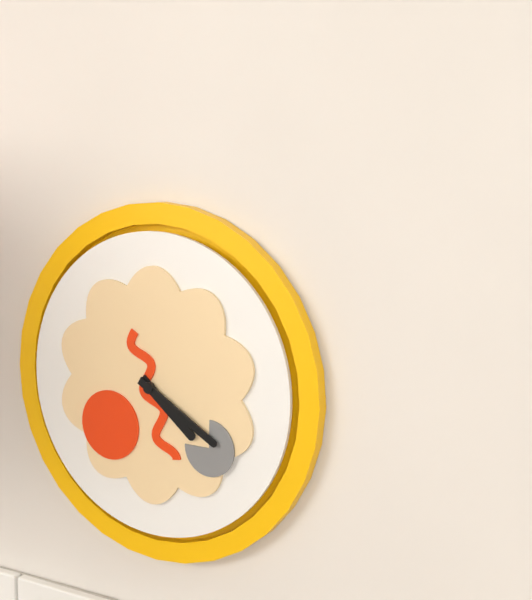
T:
4.20
